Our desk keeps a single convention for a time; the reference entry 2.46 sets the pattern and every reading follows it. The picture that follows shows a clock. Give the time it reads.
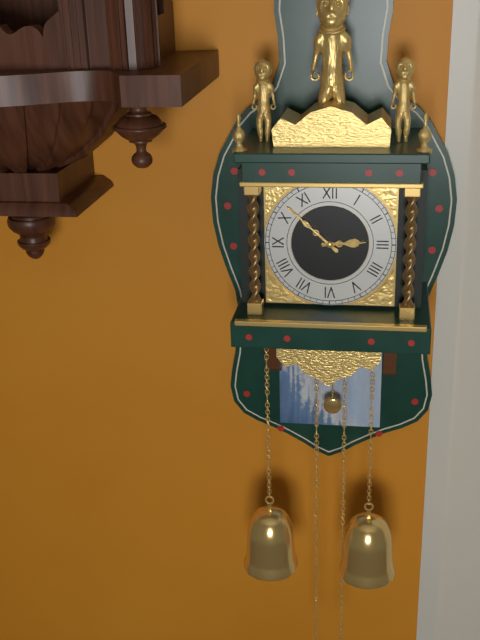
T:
2.52
